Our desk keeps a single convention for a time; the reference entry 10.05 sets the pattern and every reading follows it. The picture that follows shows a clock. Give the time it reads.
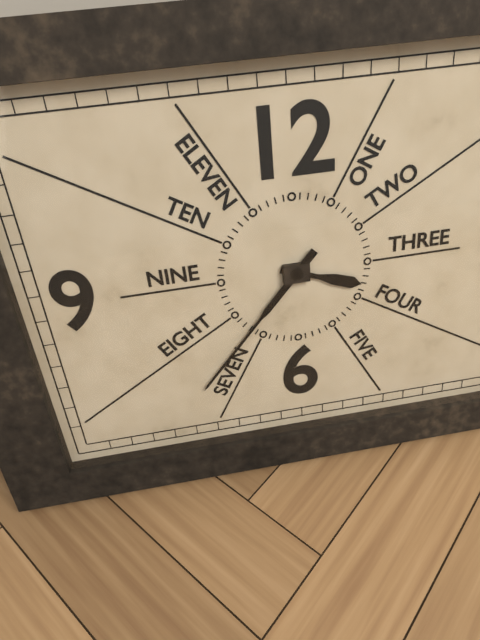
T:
3.37
